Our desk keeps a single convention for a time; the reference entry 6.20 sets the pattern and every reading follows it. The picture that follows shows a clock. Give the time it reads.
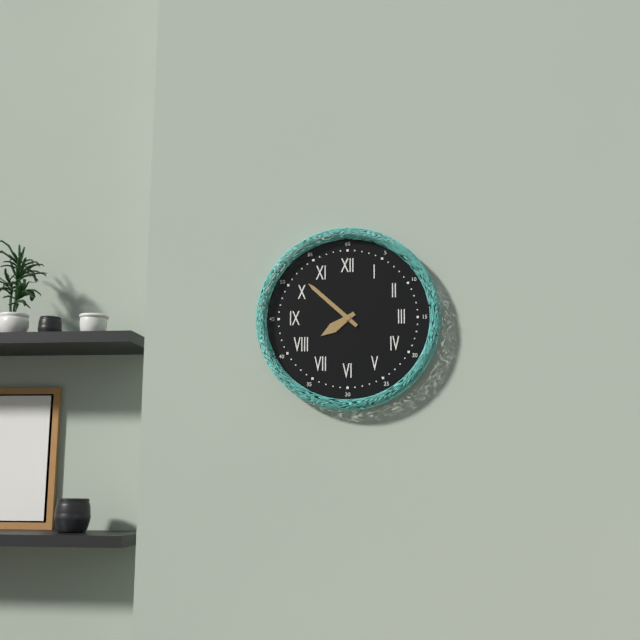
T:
7.52
